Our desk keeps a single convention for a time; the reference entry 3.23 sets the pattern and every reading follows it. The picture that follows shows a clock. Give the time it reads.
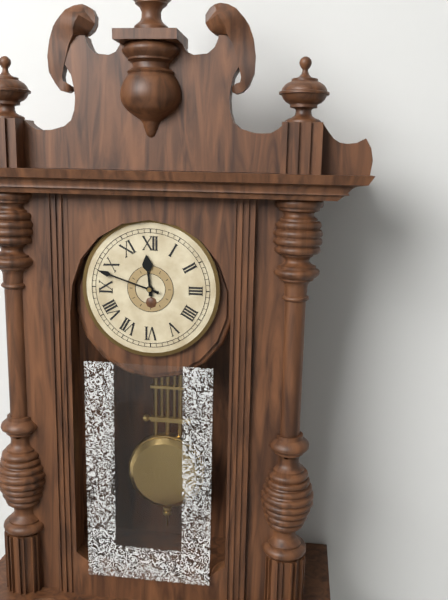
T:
11.48
